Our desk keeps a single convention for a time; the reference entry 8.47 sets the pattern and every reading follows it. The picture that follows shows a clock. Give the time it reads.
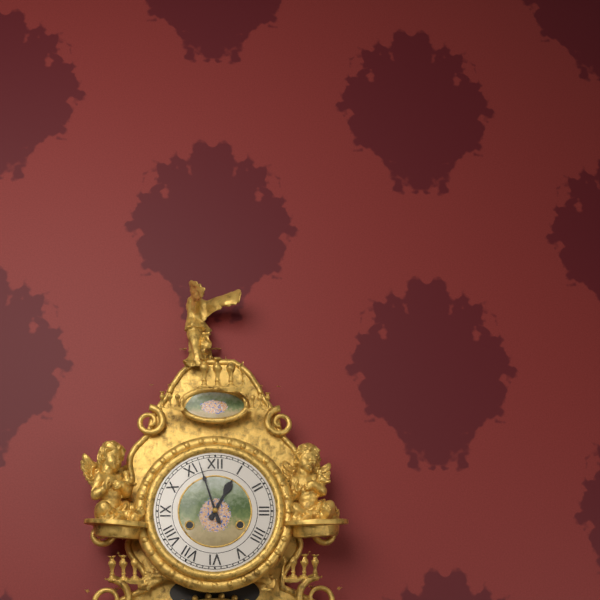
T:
12.57
